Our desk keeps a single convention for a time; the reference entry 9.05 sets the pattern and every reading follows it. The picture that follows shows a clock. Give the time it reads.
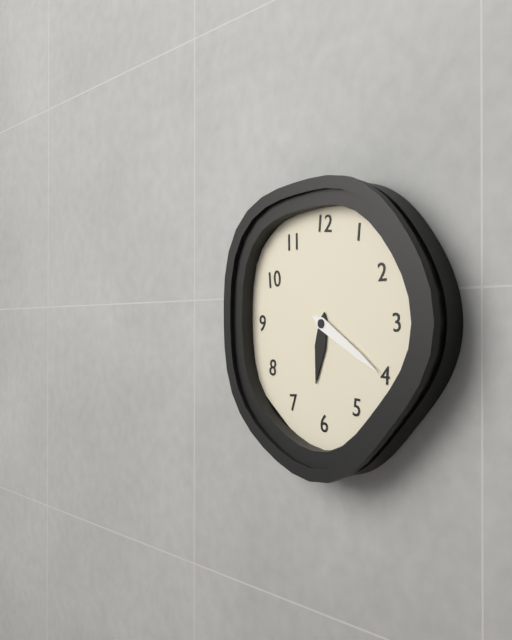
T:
6.20
